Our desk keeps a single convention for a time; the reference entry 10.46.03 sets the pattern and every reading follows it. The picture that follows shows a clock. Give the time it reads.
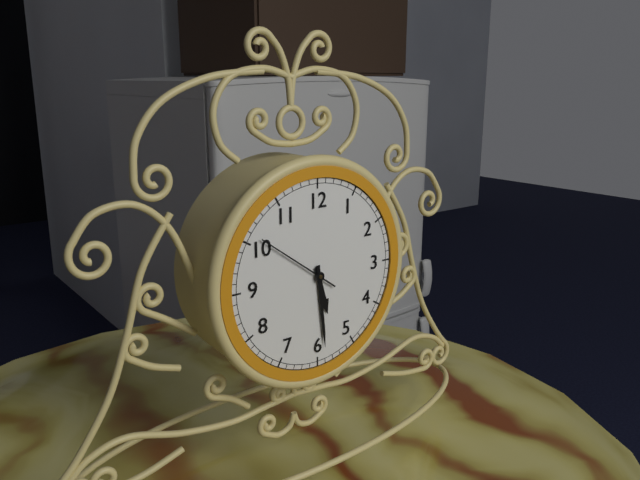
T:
5.29.51
